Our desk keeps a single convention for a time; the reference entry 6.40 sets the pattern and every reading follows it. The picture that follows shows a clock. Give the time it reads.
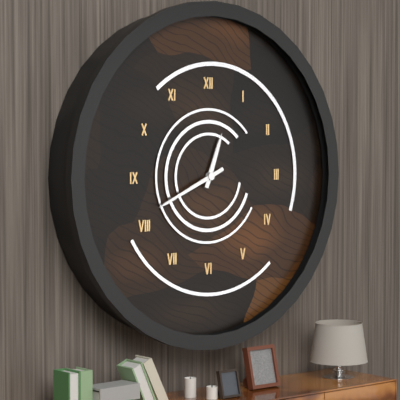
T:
12.41
